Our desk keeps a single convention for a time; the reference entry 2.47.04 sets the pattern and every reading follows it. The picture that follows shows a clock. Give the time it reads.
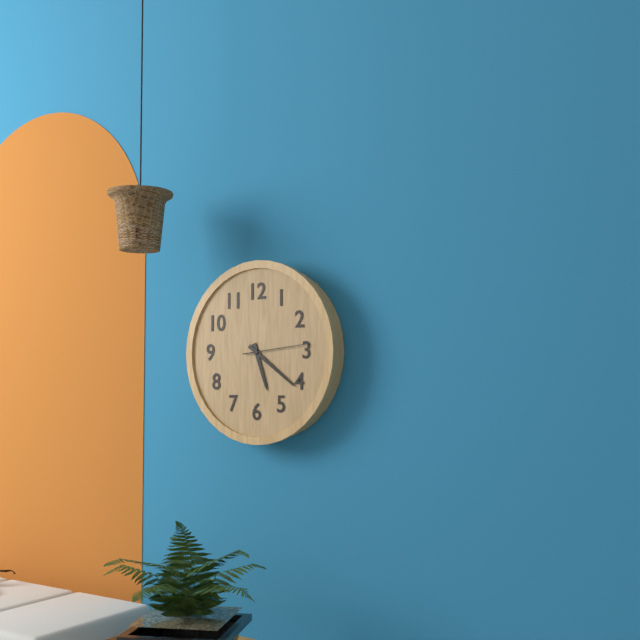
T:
5.21.14
